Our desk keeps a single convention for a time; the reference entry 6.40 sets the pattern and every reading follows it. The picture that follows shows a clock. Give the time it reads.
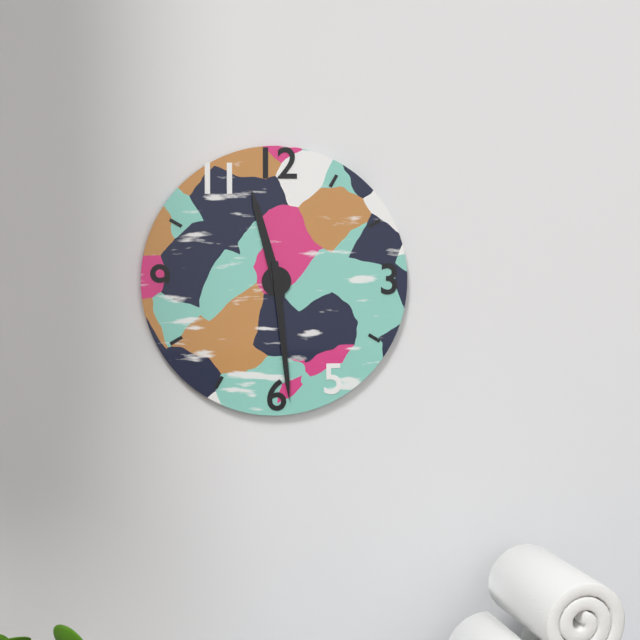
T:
11.29
